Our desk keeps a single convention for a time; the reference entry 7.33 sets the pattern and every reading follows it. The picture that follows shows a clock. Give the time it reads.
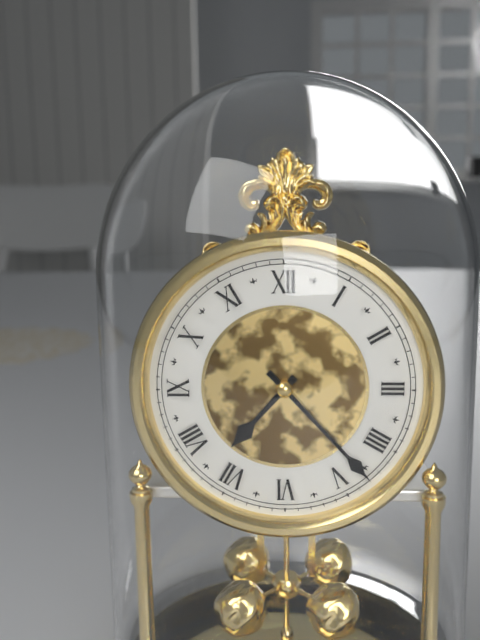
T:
7.23
